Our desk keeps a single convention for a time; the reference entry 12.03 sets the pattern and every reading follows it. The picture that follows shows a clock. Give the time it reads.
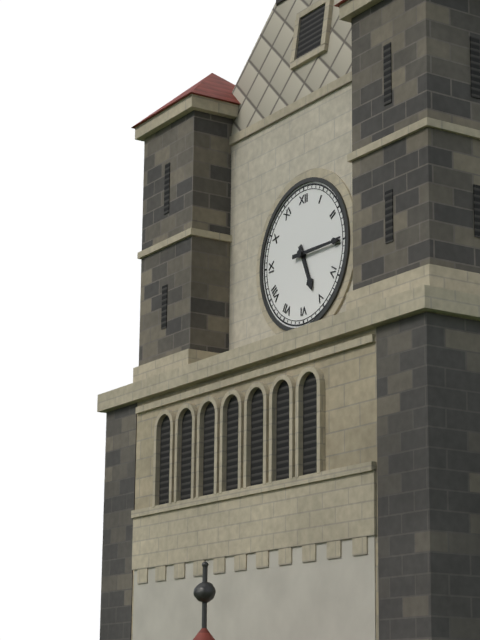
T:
5.15
